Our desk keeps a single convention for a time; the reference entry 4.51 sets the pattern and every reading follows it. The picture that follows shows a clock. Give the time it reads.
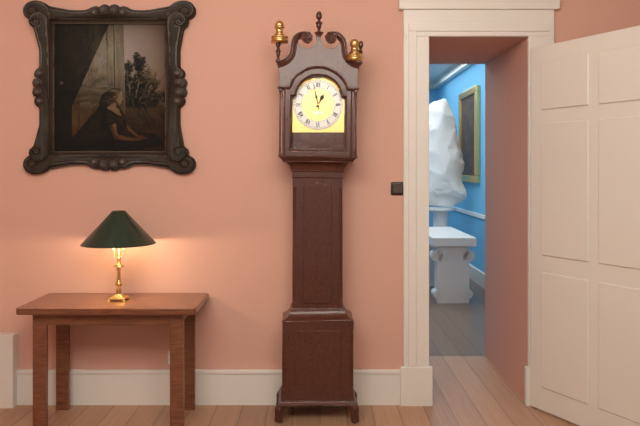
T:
12.58
